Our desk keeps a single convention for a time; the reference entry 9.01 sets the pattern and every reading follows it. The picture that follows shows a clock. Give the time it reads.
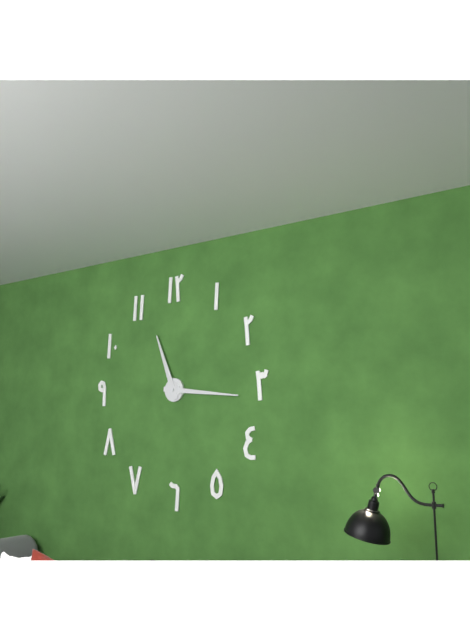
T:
11.16
